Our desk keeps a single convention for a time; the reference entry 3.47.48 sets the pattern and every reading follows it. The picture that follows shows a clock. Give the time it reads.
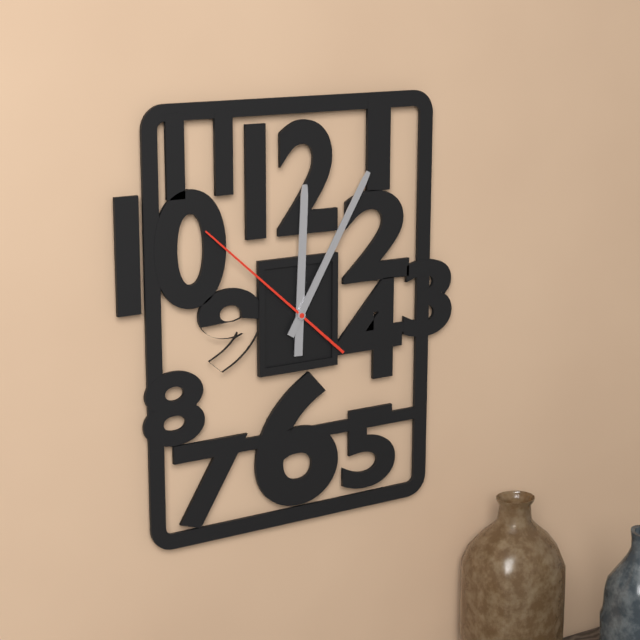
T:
12.05.52
